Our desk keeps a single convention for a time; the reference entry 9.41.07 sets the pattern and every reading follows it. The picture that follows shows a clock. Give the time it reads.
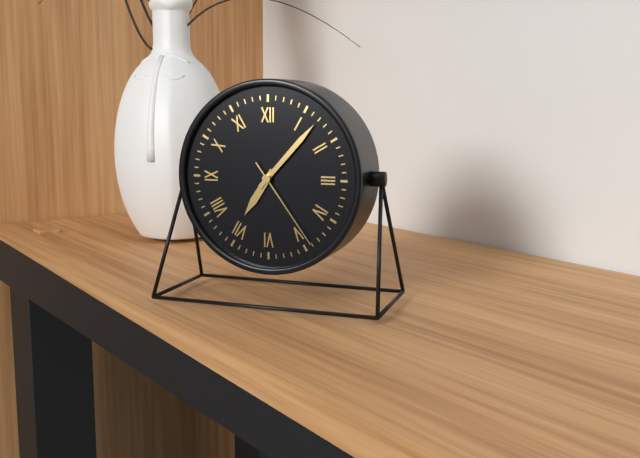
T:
7.07.24
